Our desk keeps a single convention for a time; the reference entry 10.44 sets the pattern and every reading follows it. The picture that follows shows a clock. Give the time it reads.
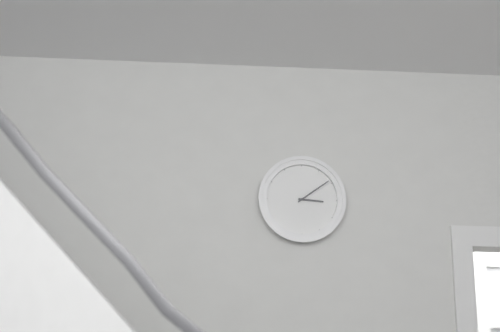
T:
3.09
